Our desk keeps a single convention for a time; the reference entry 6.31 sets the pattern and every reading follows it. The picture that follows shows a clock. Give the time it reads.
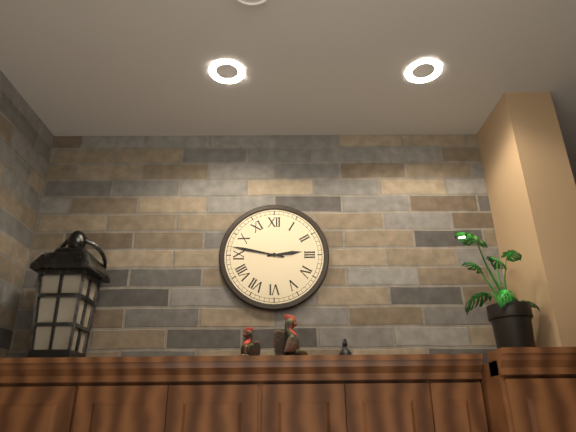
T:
2.47
